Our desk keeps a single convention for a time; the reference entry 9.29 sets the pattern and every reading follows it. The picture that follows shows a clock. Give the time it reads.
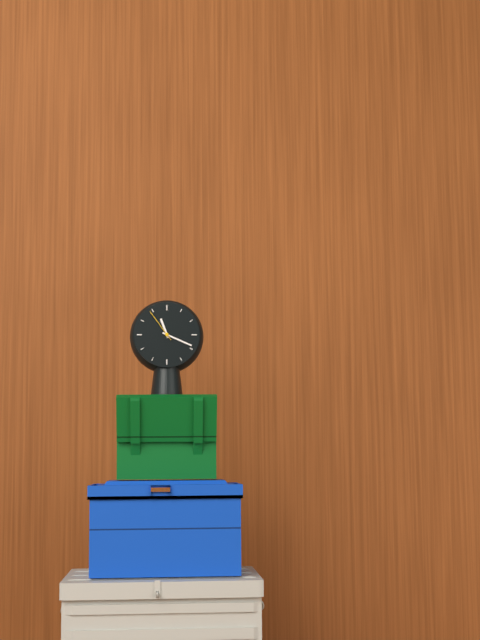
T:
11.19
